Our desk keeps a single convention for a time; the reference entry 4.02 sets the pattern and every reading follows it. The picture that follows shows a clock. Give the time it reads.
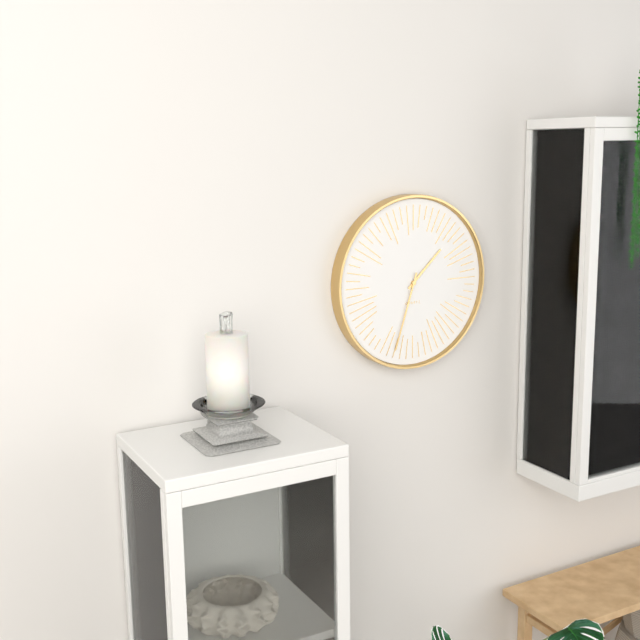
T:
1.33
